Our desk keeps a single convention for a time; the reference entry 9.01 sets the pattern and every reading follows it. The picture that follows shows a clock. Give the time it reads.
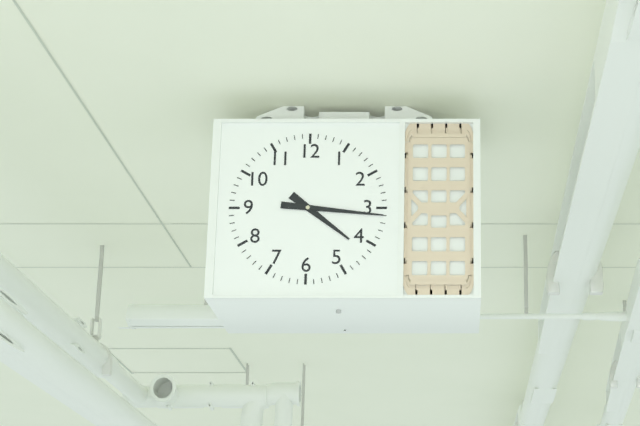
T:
4.16
